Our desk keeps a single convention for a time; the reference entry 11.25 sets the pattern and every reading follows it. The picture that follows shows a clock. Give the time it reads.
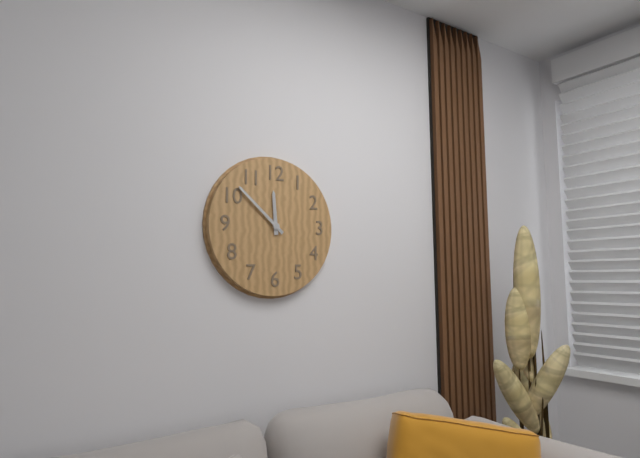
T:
11.52
